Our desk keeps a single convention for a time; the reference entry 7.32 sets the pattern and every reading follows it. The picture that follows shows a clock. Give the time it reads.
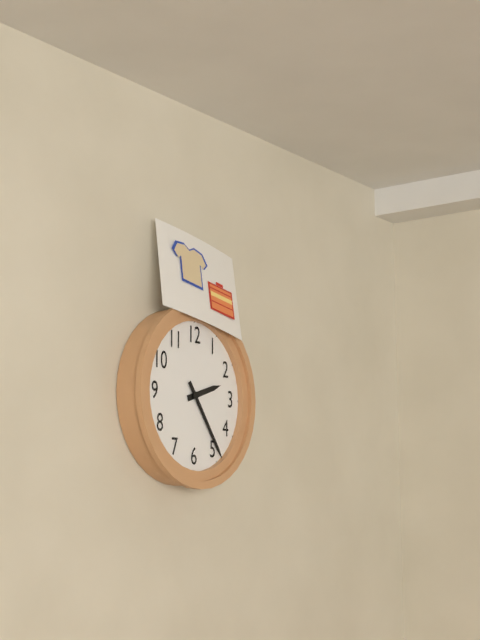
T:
2.24
